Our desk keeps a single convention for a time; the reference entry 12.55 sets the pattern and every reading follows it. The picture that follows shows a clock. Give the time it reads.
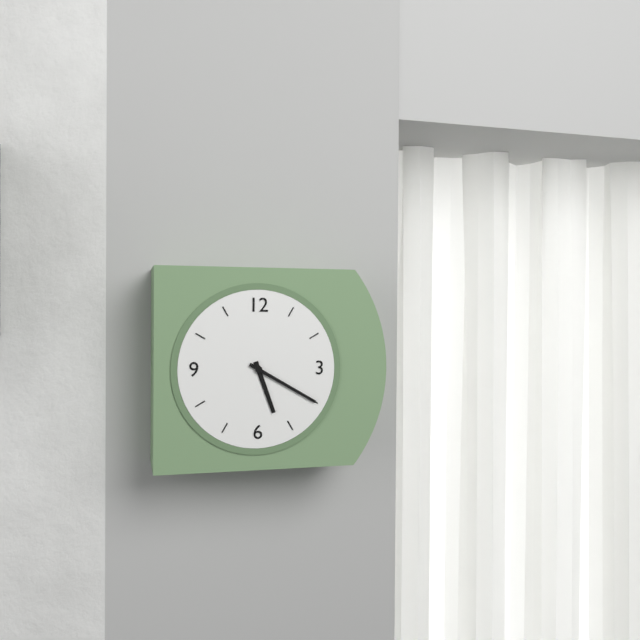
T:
5.20
